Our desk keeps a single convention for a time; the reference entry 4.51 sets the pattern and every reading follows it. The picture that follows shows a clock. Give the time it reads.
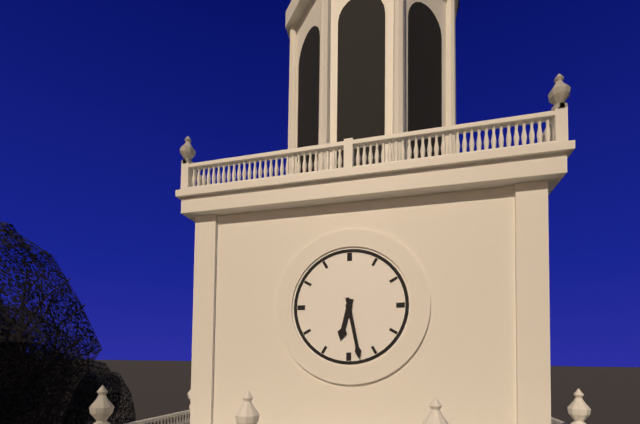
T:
6.28
